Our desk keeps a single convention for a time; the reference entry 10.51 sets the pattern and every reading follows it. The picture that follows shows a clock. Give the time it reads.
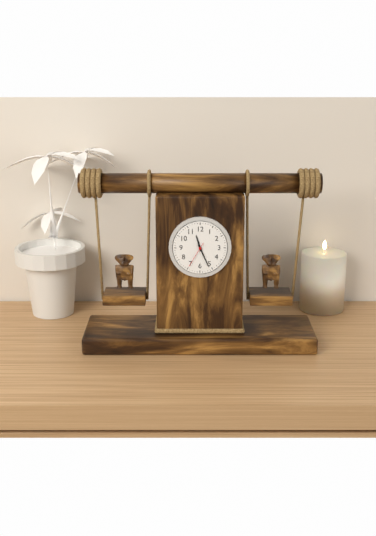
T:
11.26
